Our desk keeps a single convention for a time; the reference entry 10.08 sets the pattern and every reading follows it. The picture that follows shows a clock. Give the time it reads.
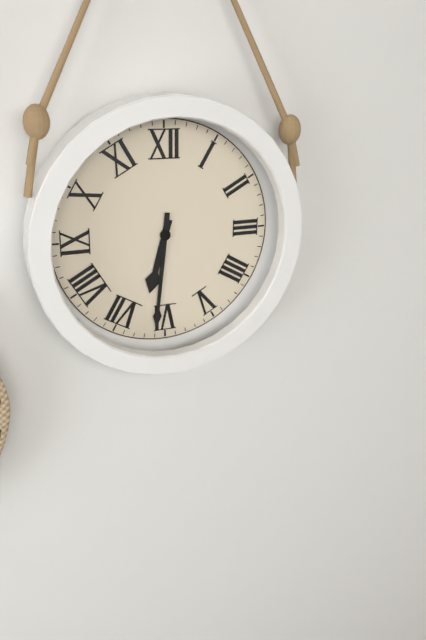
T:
6.31
